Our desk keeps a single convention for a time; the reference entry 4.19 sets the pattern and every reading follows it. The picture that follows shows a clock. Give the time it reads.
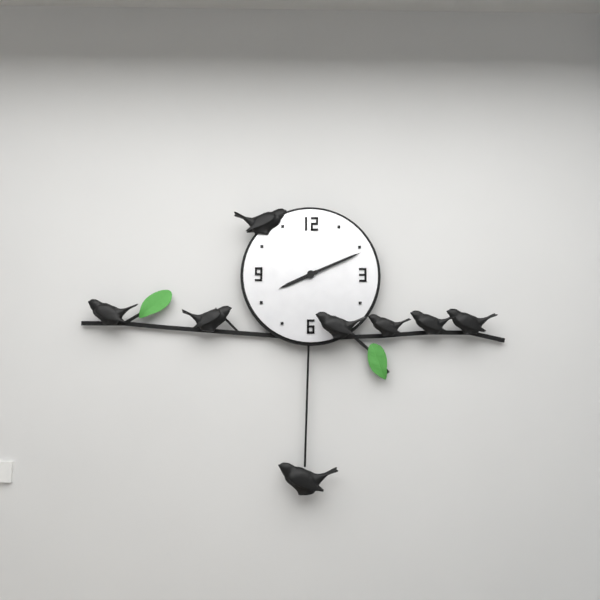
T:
8.11
